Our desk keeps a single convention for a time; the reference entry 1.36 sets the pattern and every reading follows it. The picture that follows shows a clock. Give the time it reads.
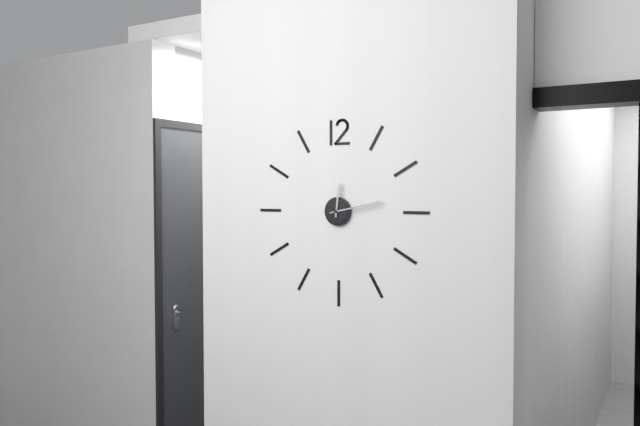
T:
12.13
